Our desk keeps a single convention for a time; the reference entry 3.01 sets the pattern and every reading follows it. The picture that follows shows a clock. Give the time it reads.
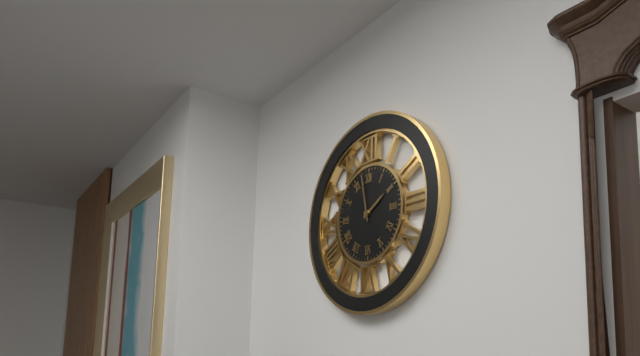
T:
1.58
